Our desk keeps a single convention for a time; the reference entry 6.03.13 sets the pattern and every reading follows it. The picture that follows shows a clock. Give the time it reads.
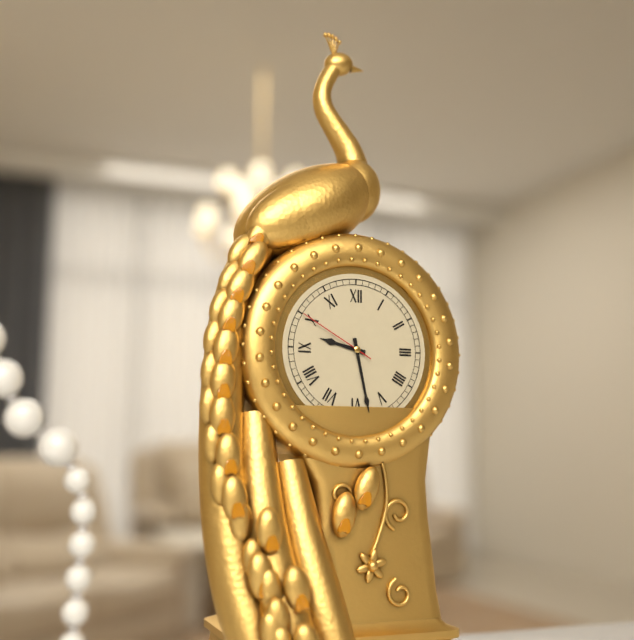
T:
9.28.50
